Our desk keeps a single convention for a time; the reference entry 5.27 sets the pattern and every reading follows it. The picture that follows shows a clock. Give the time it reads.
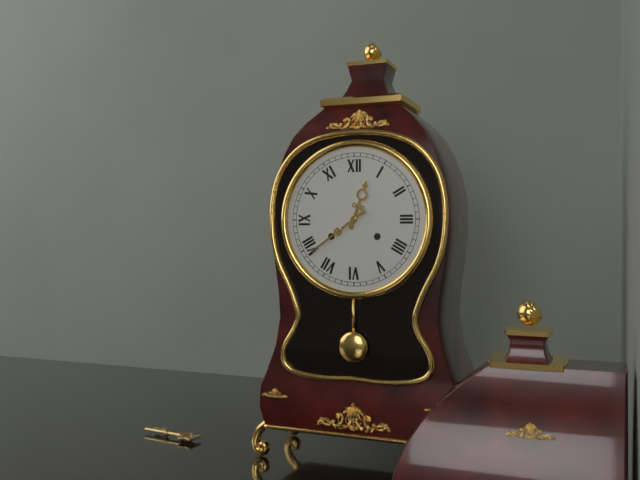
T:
12.39
